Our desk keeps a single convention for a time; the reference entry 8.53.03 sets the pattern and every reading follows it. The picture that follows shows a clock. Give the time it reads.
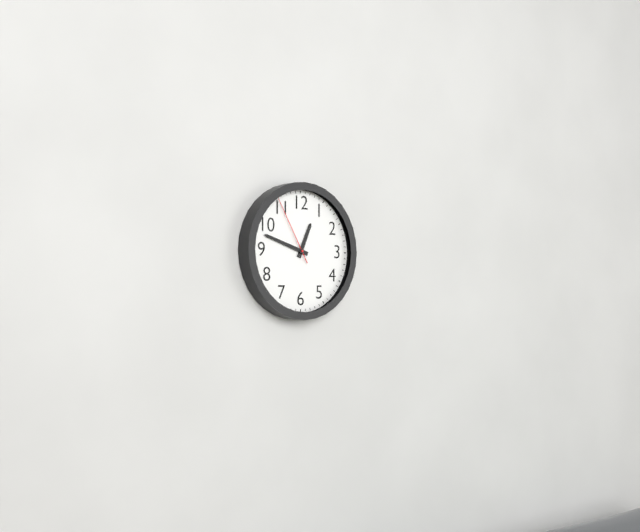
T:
12.48.55
